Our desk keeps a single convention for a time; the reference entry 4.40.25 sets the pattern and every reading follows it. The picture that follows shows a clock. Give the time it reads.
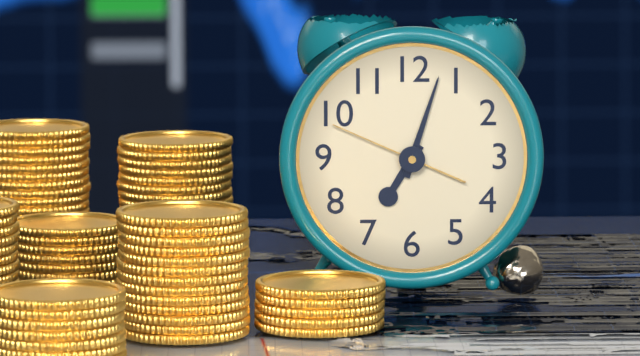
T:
7.03.49
